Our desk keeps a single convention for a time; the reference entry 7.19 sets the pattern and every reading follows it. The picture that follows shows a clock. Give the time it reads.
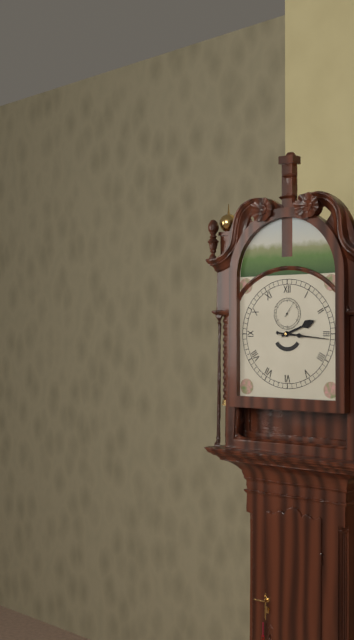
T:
2.16
